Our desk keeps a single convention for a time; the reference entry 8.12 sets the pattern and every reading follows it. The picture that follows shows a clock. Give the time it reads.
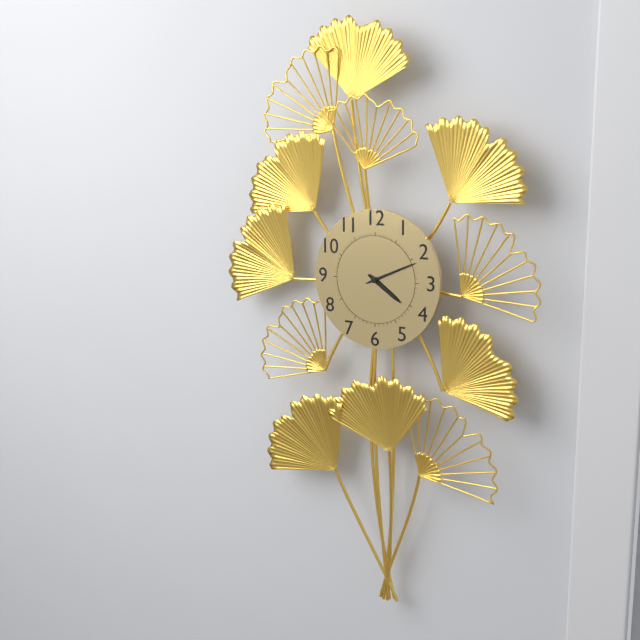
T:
4.11
